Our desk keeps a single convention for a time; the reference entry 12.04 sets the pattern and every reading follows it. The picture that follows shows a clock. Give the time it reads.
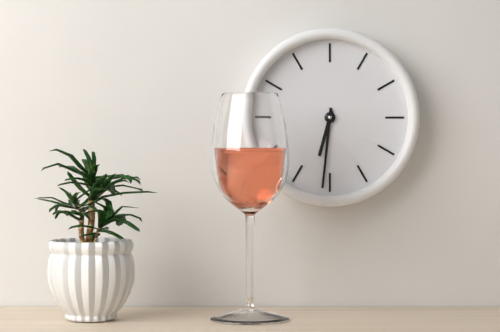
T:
6.31
